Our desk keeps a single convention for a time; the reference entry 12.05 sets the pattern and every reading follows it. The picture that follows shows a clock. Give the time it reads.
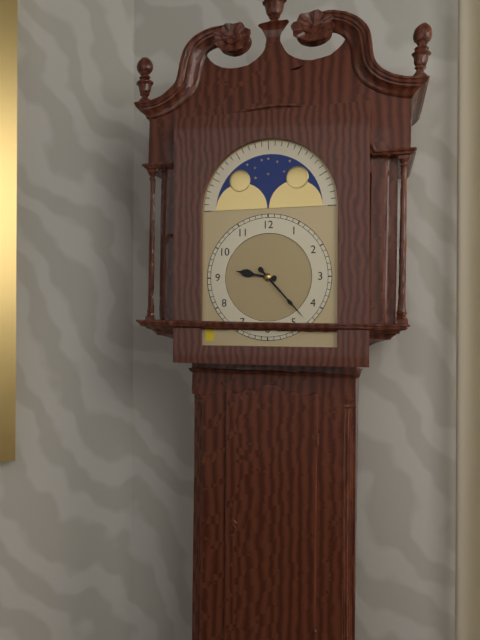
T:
9.23
